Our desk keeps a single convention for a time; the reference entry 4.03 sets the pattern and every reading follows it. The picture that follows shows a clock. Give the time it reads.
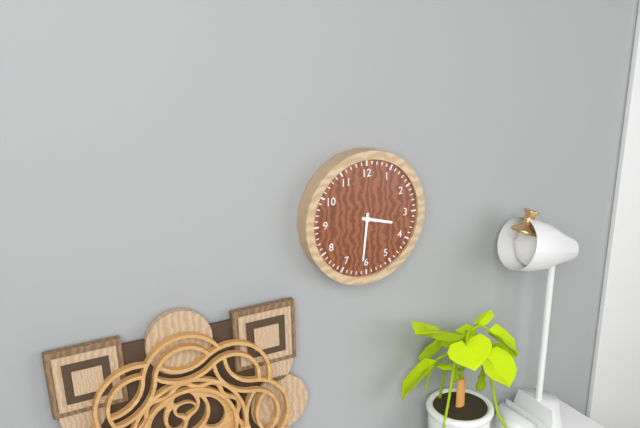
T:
3.31
